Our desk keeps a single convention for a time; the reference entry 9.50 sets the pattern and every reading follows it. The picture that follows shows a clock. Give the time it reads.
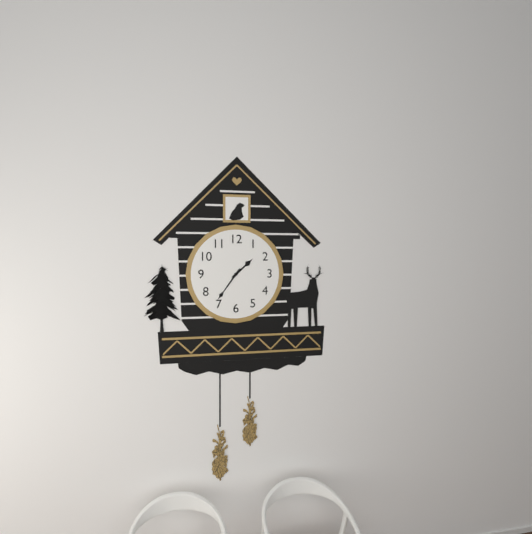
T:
1.36
